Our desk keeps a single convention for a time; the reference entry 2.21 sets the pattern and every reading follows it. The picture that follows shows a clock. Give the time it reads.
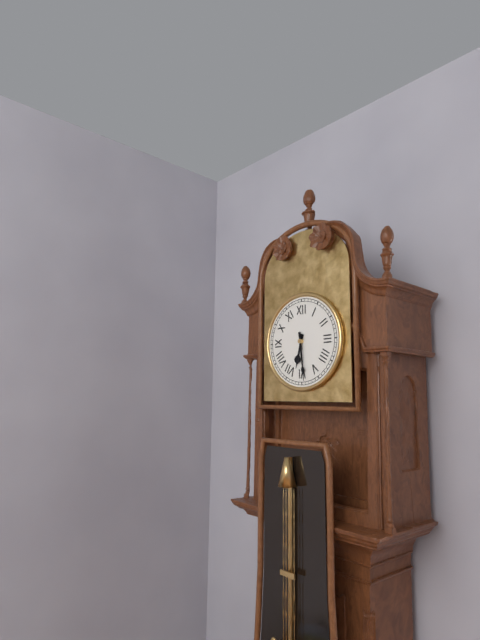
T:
6.29
